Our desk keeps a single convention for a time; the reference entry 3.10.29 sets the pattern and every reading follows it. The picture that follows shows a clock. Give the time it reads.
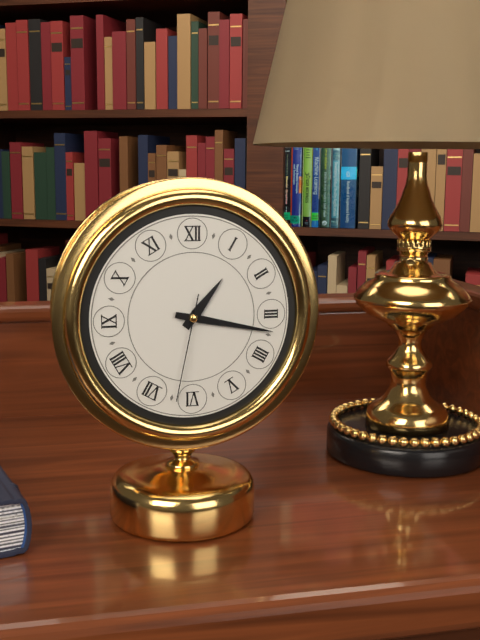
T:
1.17.32
